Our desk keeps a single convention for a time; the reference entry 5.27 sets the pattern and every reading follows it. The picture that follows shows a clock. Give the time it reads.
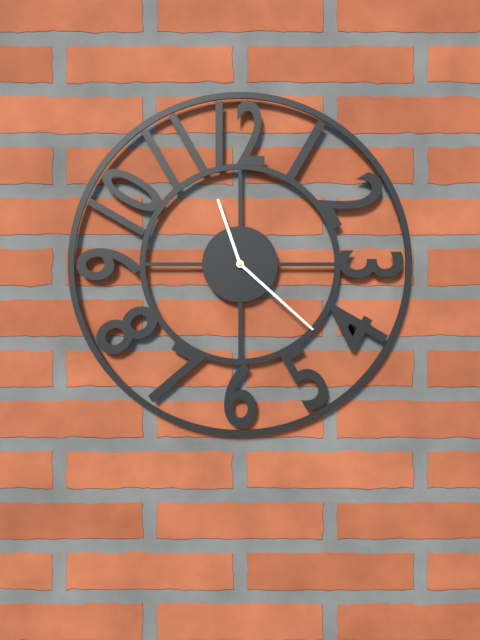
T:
11.22
